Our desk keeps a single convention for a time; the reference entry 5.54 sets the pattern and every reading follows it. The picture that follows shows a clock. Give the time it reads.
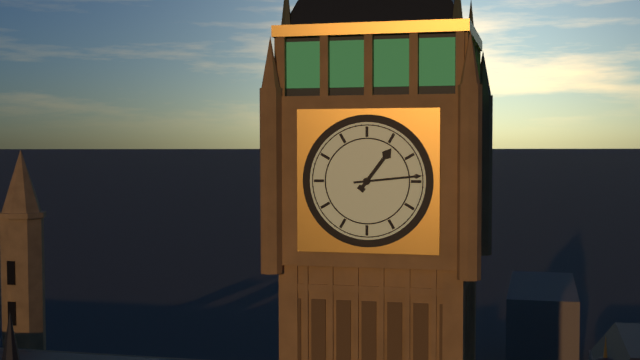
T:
1.14
